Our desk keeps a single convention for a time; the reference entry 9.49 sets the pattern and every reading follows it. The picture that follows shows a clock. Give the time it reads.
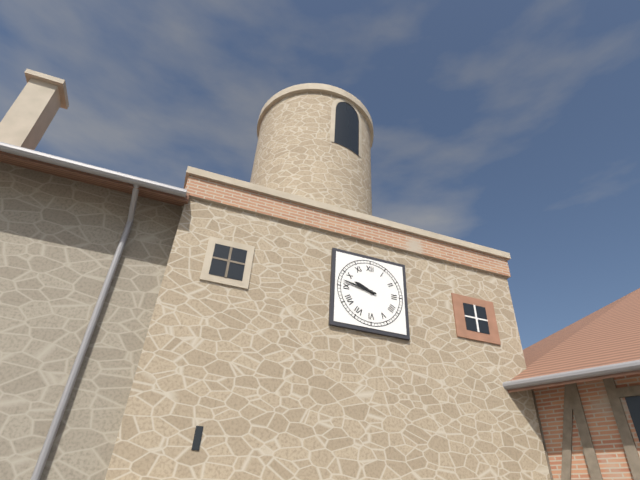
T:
9.47
